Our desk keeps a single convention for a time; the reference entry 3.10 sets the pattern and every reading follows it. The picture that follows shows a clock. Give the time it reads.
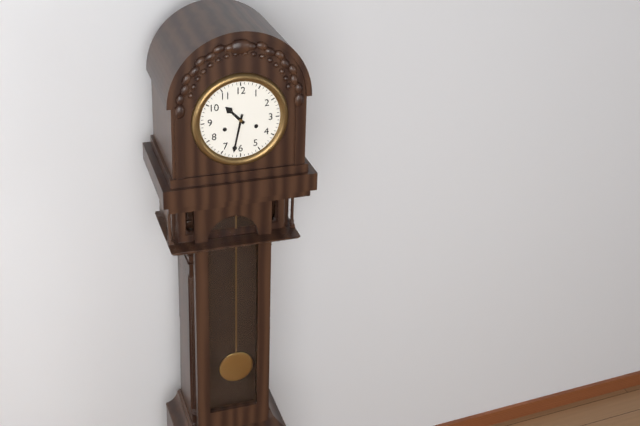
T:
10.32
